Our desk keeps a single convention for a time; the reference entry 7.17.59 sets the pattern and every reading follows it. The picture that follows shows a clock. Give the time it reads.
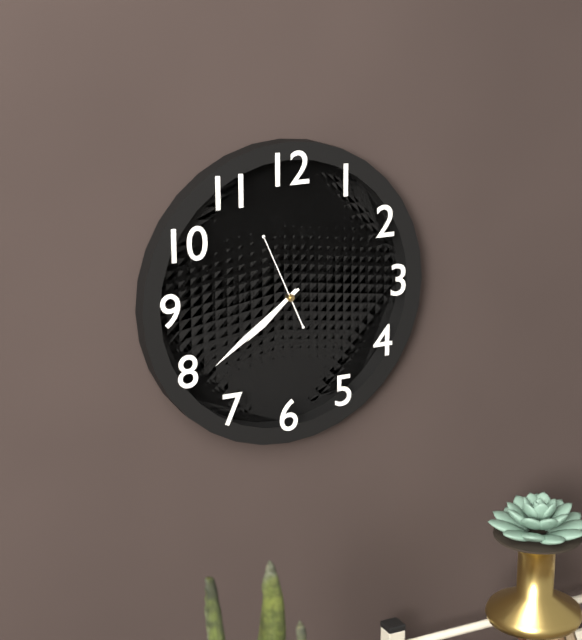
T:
7.39.56
